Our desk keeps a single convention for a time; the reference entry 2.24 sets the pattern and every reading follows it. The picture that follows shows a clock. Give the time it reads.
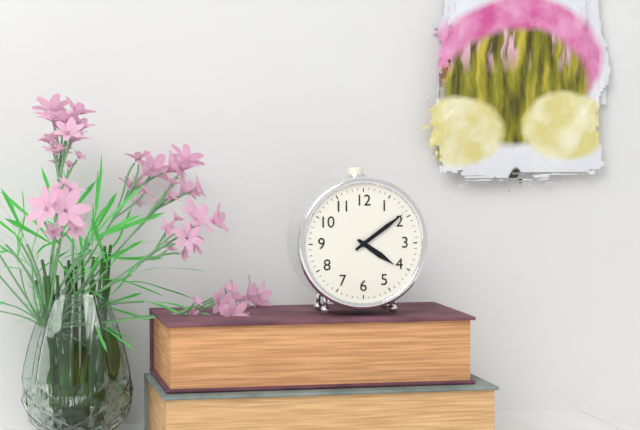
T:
4.09
